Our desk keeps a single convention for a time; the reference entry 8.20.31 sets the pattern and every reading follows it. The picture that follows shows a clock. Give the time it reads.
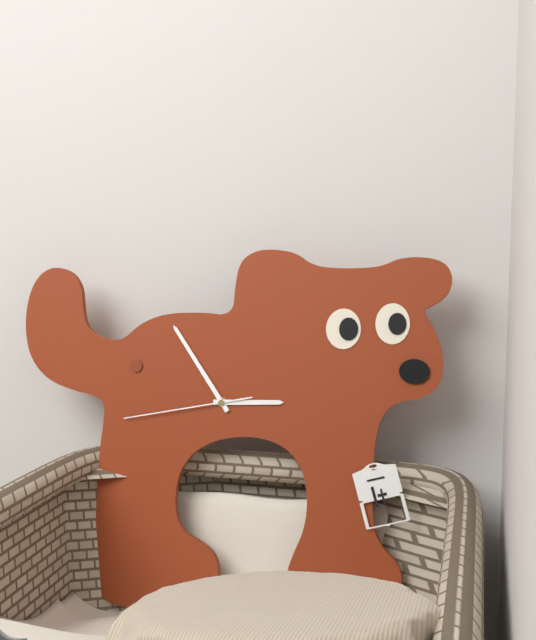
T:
2.54.43
